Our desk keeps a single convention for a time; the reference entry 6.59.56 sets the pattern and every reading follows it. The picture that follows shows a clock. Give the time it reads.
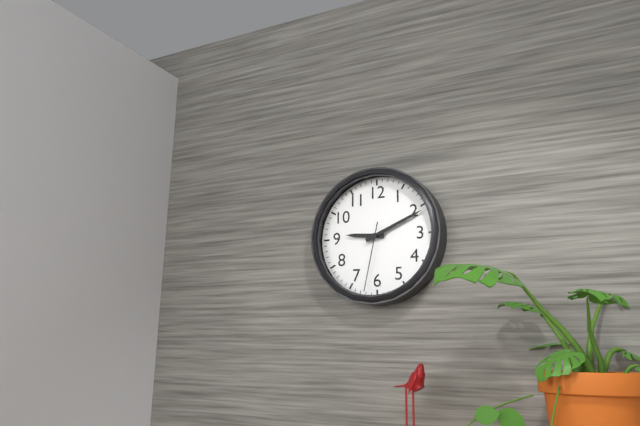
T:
9.11.32
